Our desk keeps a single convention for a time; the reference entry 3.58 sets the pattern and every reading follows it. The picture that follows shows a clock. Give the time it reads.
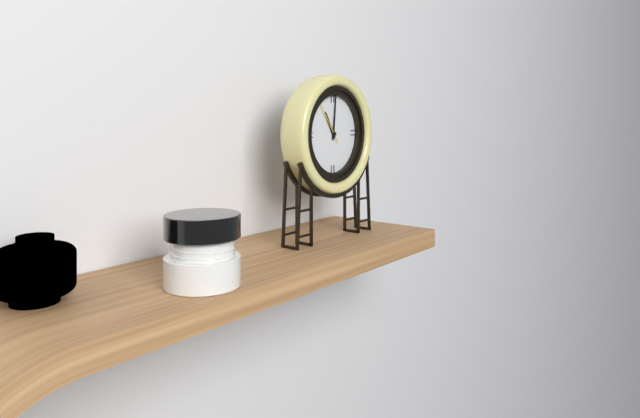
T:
11.01
